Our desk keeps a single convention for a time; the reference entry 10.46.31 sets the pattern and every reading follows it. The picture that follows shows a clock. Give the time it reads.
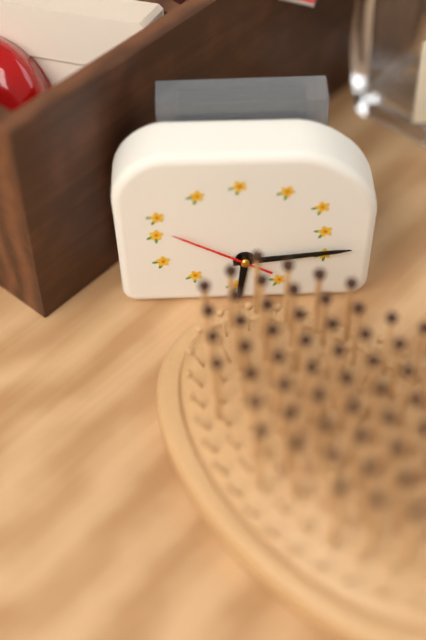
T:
6.14.50
